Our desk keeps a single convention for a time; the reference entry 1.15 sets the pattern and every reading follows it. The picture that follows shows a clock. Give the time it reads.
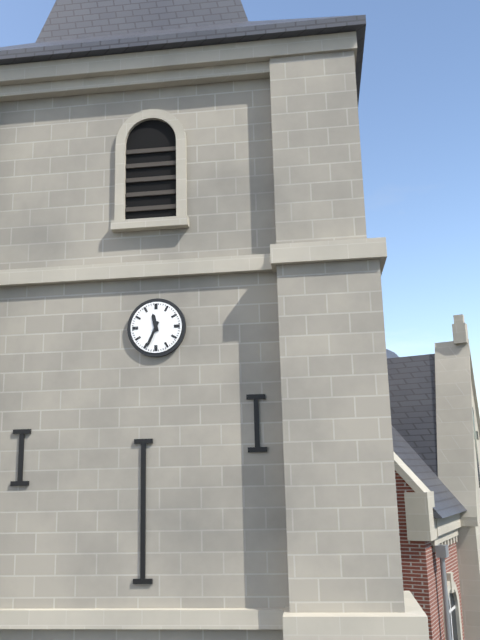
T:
11.34
